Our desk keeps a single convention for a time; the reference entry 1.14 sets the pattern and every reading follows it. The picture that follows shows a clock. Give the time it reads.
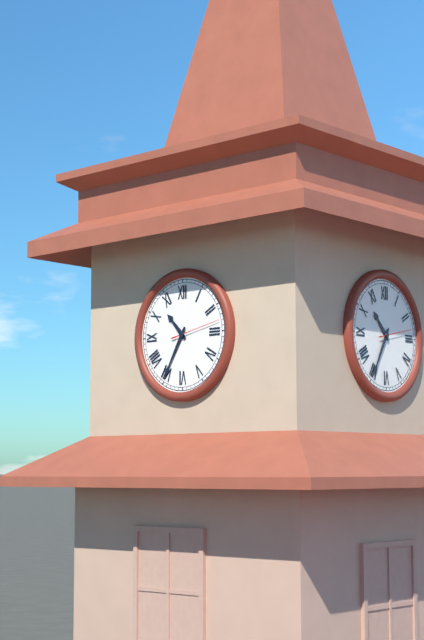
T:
10.35
